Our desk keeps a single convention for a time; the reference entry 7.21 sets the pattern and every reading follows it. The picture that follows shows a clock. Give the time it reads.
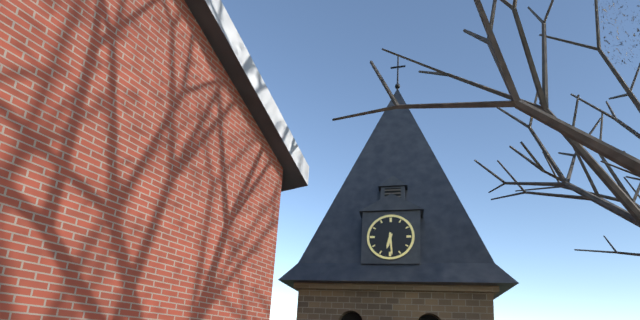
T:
6.29
